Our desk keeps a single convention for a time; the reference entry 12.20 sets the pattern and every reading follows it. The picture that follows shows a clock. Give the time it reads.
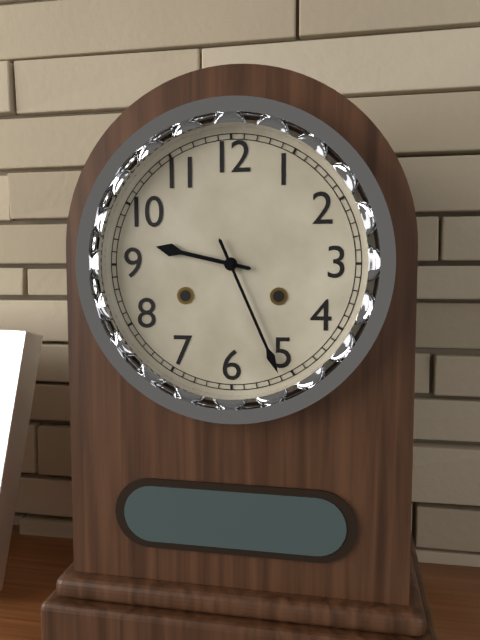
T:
9.26
